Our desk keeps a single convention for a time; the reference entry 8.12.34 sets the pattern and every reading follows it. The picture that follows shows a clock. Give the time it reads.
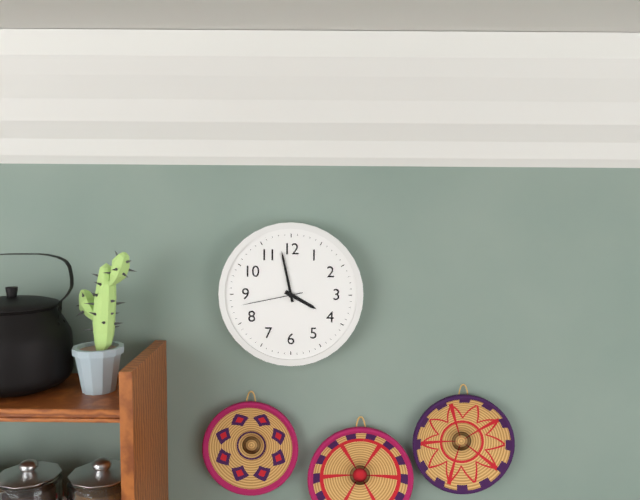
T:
3.58.43
